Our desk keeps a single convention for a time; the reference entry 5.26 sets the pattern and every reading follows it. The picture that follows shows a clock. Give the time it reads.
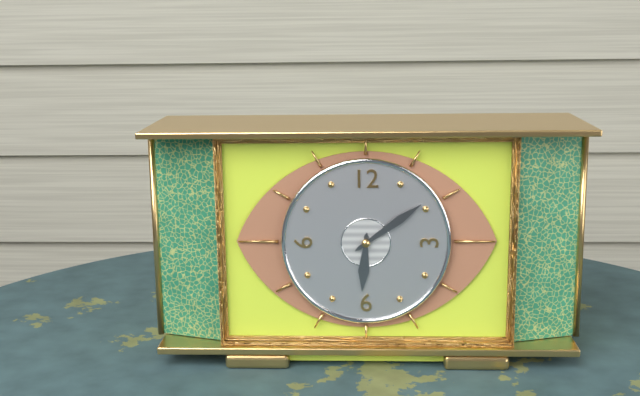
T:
6.09
